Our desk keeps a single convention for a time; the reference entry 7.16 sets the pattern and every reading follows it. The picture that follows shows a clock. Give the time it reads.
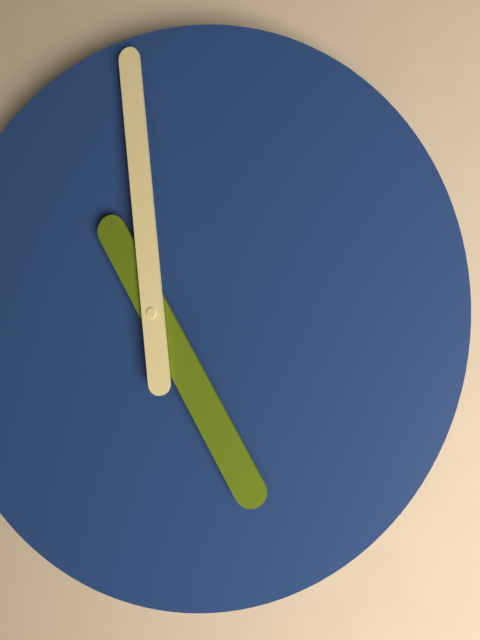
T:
4.59
